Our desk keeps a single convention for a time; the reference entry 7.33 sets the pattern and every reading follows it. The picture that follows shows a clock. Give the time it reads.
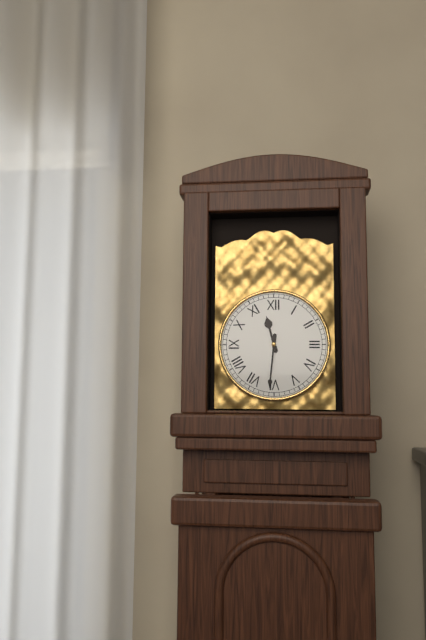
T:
11.31
